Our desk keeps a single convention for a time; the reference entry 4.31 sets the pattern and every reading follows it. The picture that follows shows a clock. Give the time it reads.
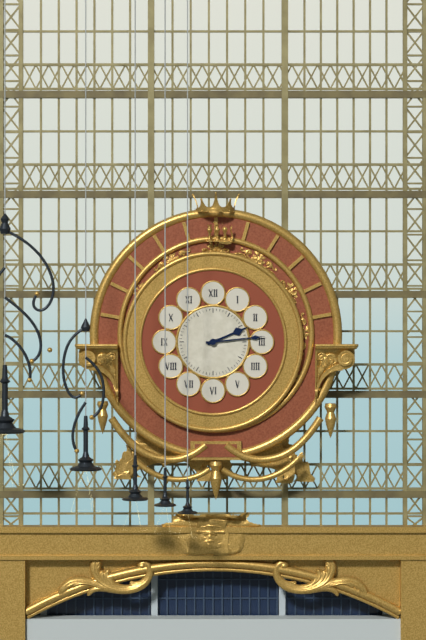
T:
2.14
